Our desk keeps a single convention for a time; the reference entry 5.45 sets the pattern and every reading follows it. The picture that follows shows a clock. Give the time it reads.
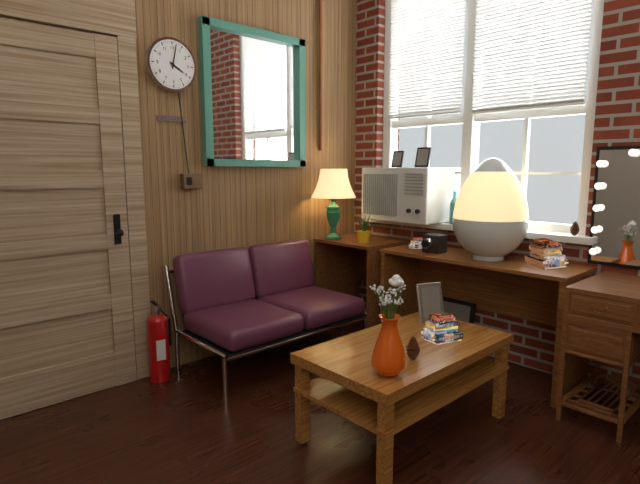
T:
4.02
